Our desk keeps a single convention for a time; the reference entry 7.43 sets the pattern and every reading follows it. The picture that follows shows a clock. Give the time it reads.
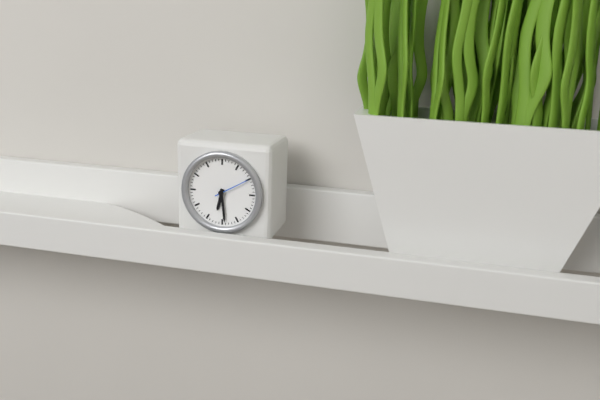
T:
6.29
